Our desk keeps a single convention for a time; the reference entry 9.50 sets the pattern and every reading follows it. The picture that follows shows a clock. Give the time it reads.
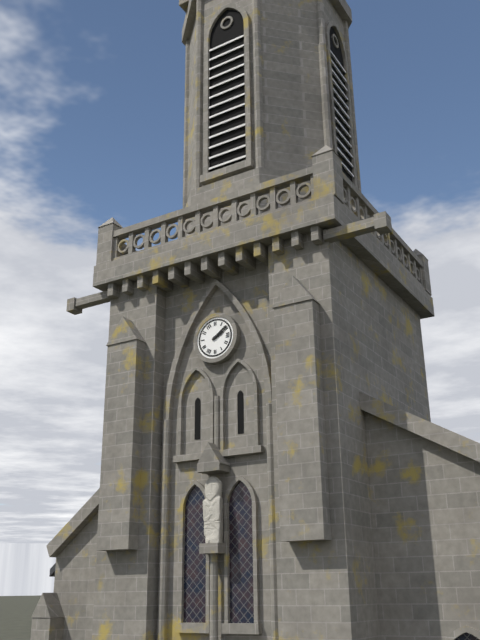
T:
2.09
